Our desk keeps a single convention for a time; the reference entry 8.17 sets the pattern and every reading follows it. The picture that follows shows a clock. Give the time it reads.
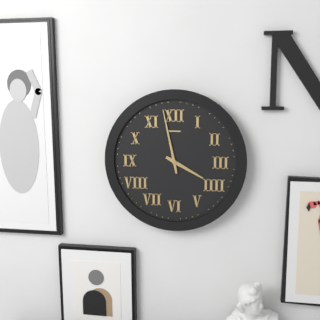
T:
3.58
